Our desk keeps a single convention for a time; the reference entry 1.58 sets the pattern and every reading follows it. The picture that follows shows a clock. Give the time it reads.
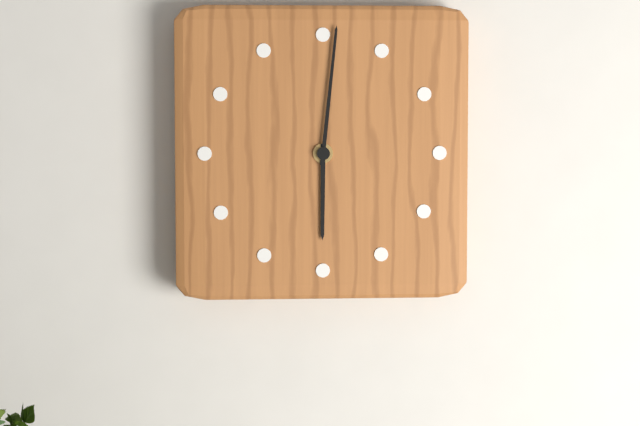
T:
6.01
